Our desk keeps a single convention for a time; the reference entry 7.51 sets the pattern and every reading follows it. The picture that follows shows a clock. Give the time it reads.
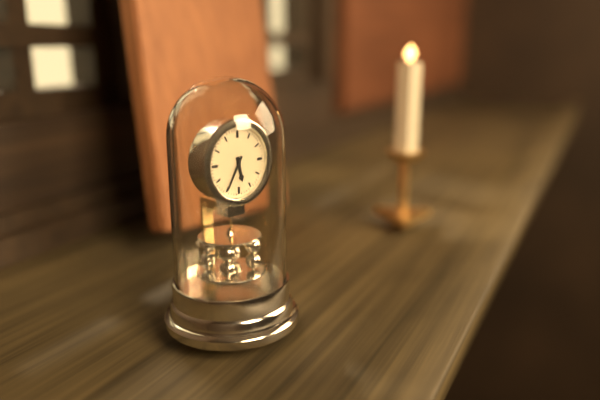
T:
5.35
